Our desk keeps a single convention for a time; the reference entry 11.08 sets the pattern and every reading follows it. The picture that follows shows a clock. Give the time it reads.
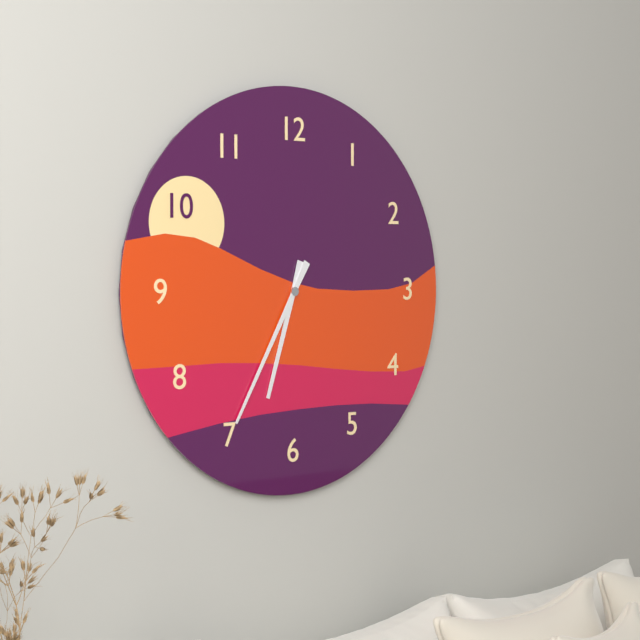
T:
6.35
